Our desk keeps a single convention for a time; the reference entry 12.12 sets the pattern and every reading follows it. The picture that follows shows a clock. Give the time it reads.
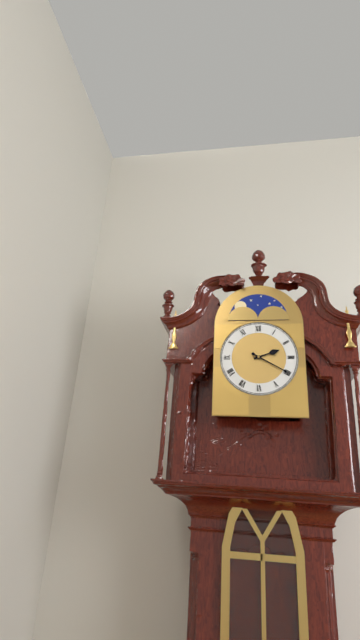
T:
2.20
